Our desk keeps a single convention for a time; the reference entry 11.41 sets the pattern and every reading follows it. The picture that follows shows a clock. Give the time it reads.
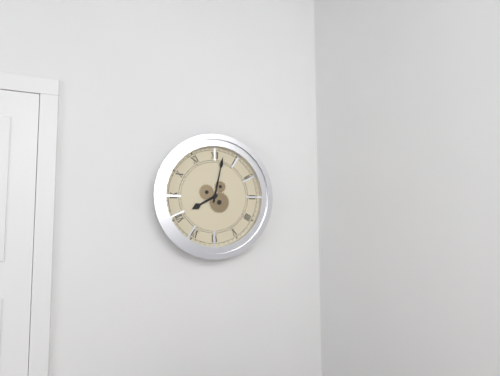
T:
8.02
